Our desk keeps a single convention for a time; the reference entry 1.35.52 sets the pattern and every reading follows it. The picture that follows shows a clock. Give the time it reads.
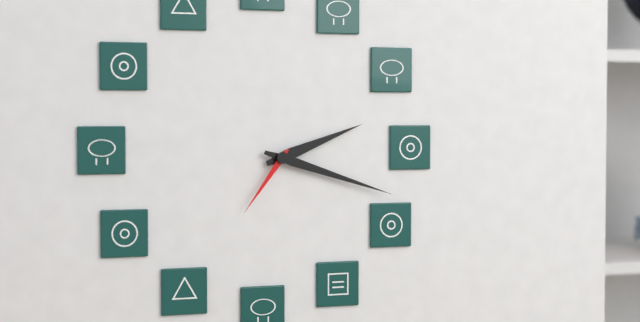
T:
2.18.36
